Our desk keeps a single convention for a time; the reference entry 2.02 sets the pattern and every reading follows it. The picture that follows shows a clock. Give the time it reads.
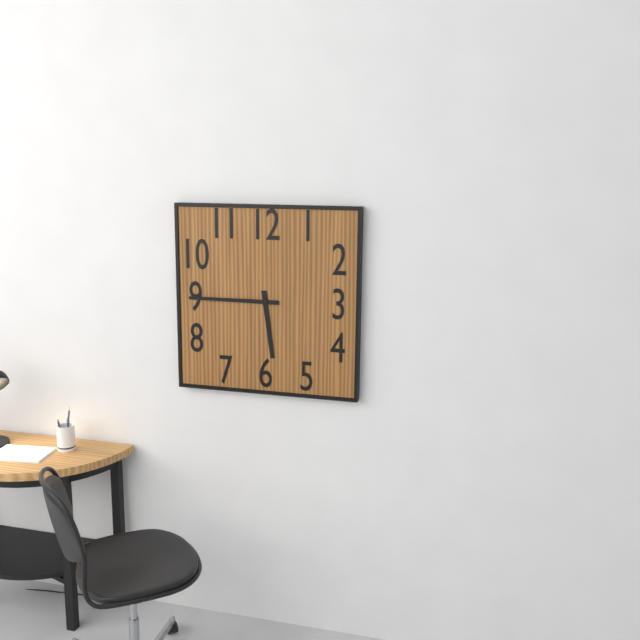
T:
5.45
